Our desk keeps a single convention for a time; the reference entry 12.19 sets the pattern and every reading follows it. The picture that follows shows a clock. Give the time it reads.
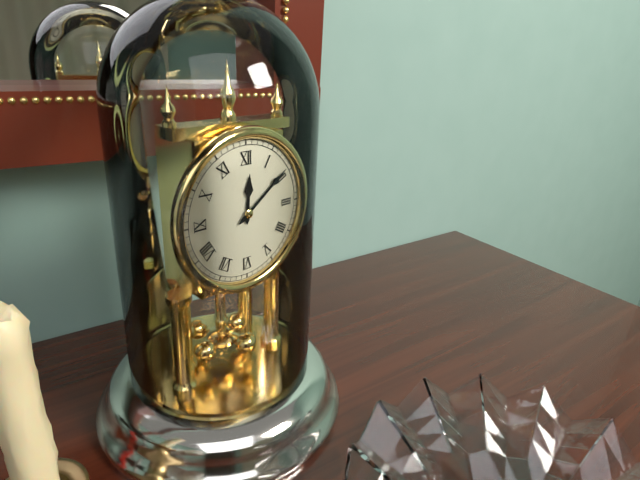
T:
12.09
